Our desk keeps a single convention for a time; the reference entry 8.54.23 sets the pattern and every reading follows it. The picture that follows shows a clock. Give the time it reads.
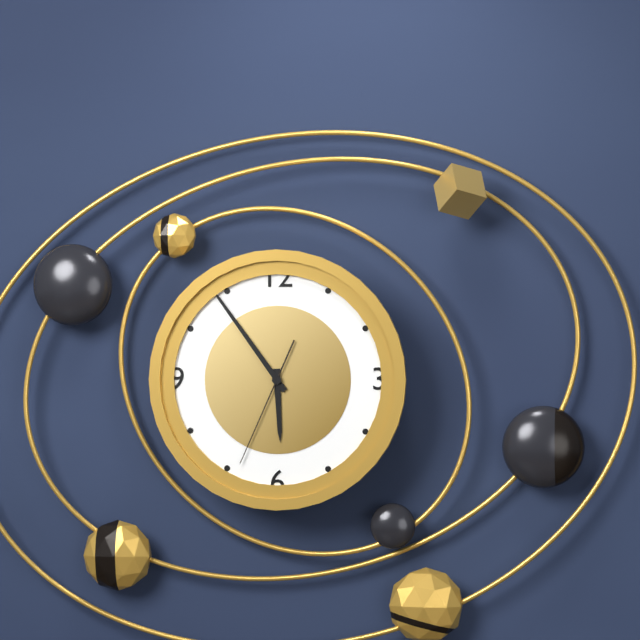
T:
5.54.34
